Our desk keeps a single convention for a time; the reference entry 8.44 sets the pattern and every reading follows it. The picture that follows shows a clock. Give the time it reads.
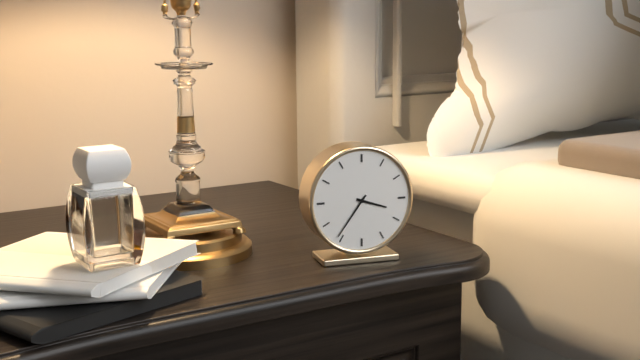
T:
3.36
